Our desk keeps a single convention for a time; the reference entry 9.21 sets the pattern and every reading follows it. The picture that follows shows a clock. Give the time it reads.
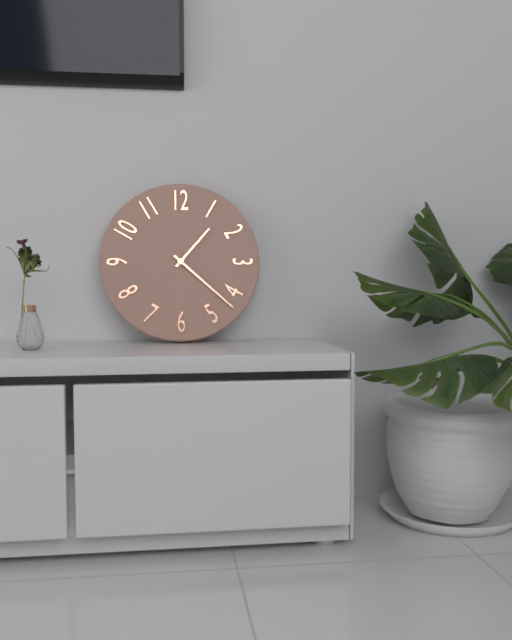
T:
1.22
